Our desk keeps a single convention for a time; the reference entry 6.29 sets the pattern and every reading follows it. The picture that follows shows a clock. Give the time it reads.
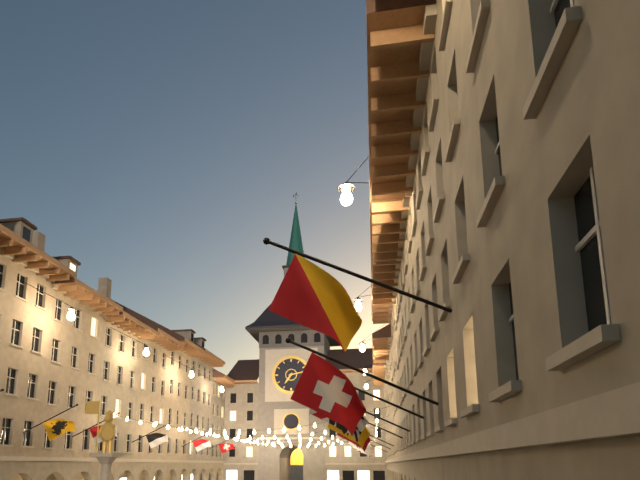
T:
7.13
